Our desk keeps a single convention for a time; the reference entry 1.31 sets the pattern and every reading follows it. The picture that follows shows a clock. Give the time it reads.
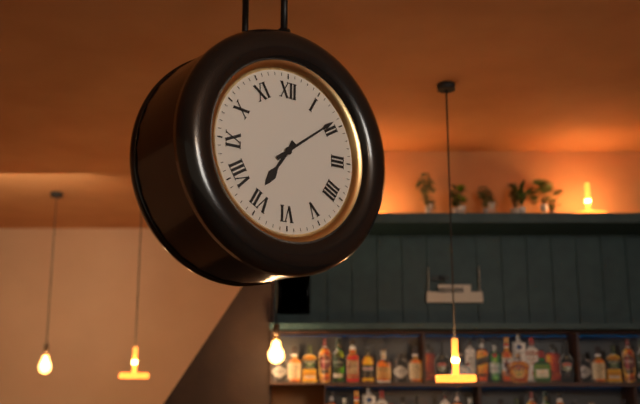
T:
7.09
